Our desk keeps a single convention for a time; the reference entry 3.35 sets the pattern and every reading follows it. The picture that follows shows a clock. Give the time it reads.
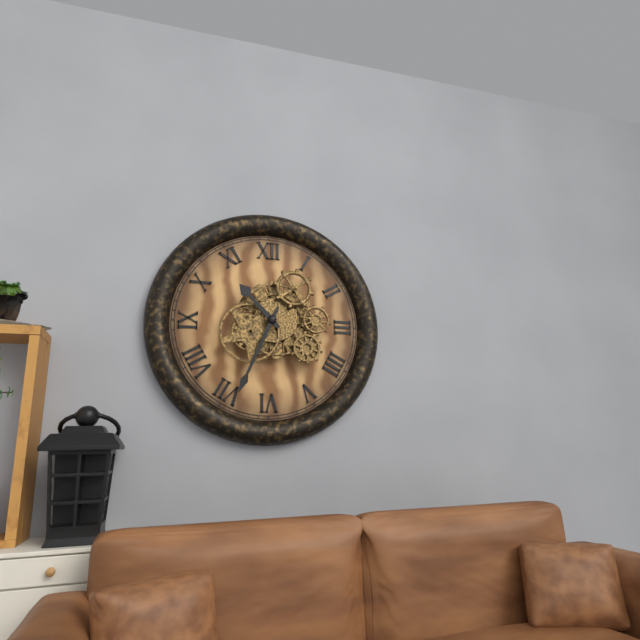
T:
10.34
